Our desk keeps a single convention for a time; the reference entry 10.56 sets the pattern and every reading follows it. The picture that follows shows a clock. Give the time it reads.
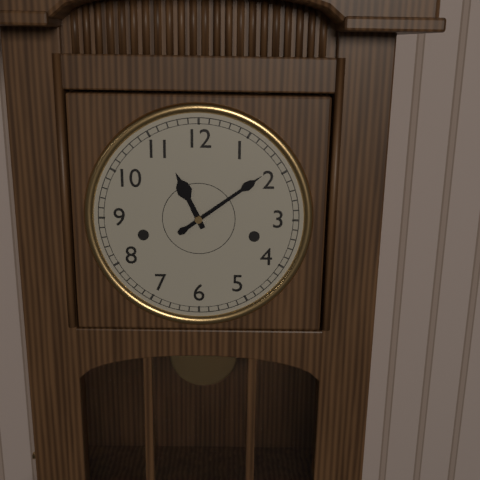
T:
11.09
